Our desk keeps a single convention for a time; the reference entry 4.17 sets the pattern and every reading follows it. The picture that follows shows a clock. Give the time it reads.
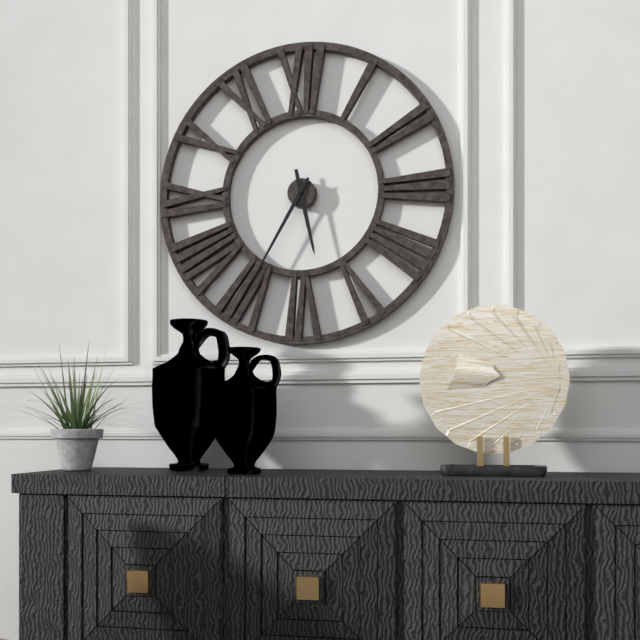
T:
5.35
